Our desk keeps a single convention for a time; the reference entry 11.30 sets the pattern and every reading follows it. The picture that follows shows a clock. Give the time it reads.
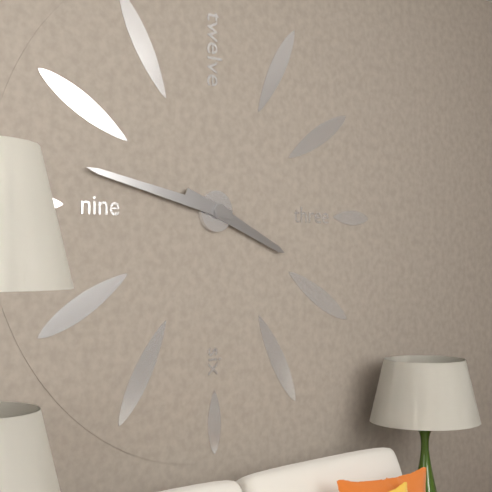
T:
3.47
